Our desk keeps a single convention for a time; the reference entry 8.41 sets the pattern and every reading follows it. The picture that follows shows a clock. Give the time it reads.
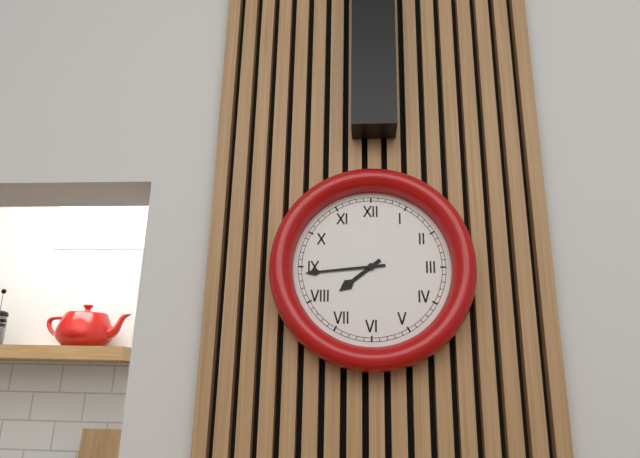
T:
7.44
